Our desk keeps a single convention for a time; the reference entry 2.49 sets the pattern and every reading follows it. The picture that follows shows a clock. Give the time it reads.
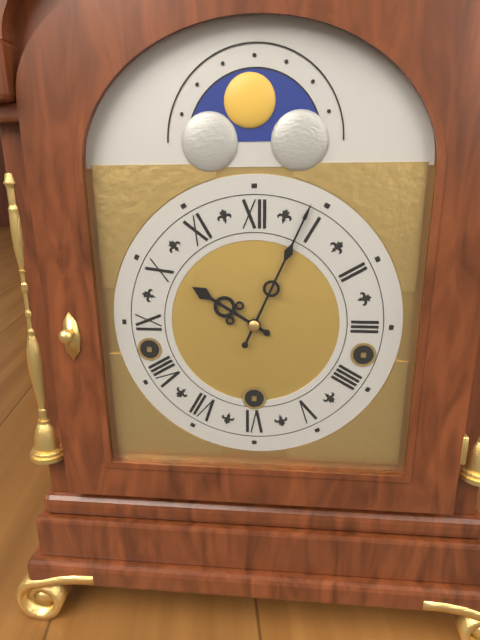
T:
10.04
